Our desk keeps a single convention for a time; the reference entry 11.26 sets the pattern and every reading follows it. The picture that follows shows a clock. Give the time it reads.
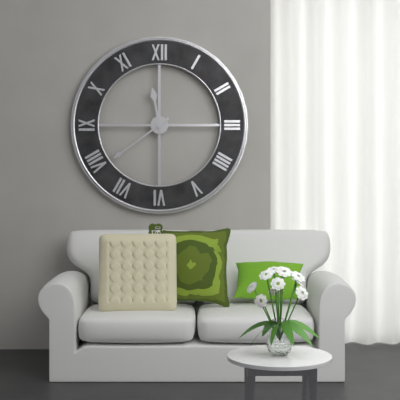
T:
11.39
